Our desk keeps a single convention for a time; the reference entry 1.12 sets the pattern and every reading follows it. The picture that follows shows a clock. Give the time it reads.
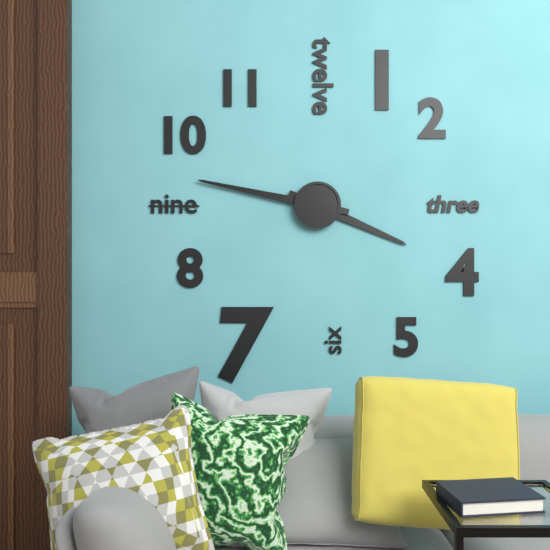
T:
3.47
